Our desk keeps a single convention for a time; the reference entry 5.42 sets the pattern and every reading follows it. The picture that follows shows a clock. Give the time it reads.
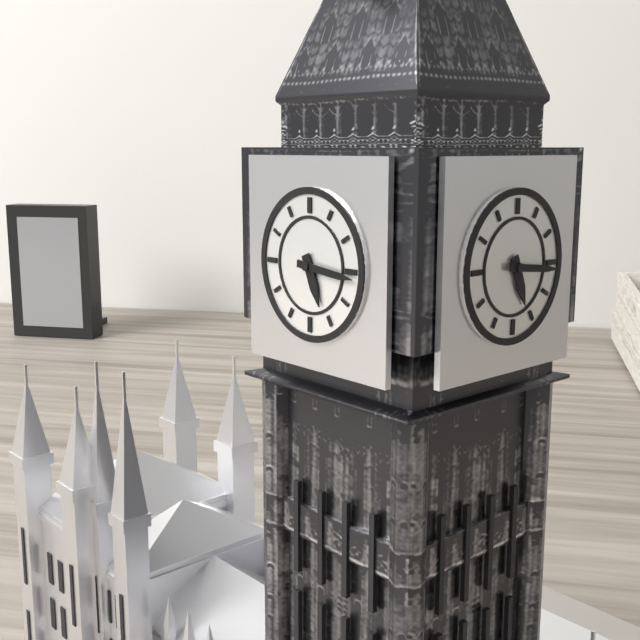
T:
5.16
